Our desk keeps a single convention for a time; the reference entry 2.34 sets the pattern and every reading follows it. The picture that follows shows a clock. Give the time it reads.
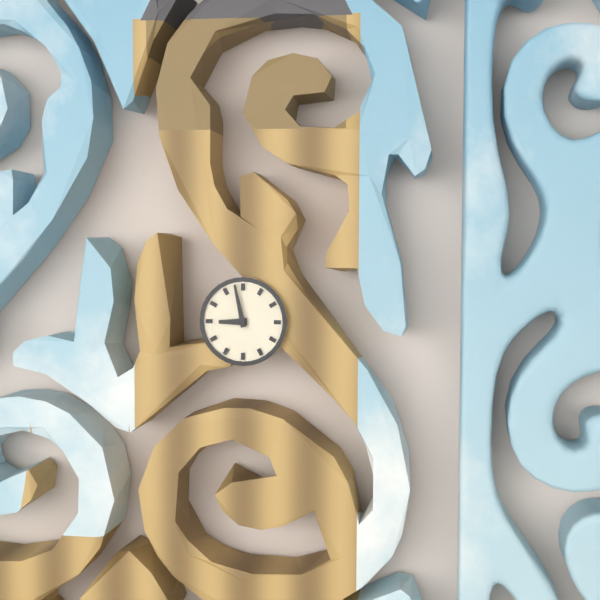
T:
8.58
